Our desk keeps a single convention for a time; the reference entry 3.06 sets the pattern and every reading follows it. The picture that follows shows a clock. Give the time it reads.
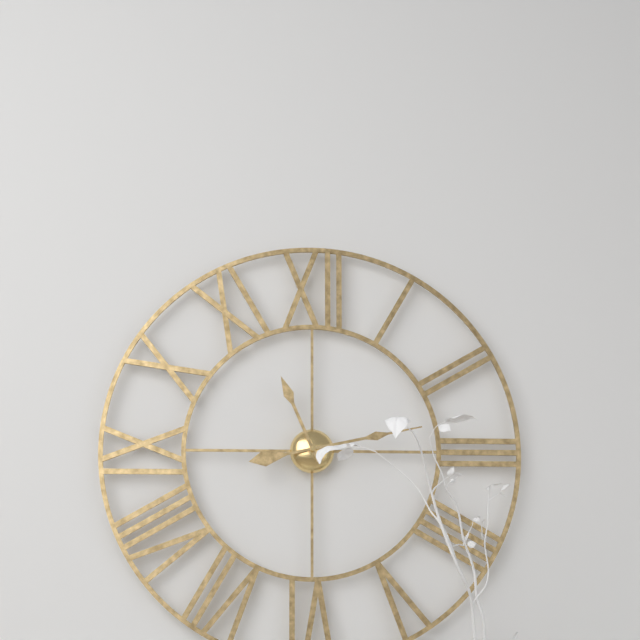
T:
11.13
